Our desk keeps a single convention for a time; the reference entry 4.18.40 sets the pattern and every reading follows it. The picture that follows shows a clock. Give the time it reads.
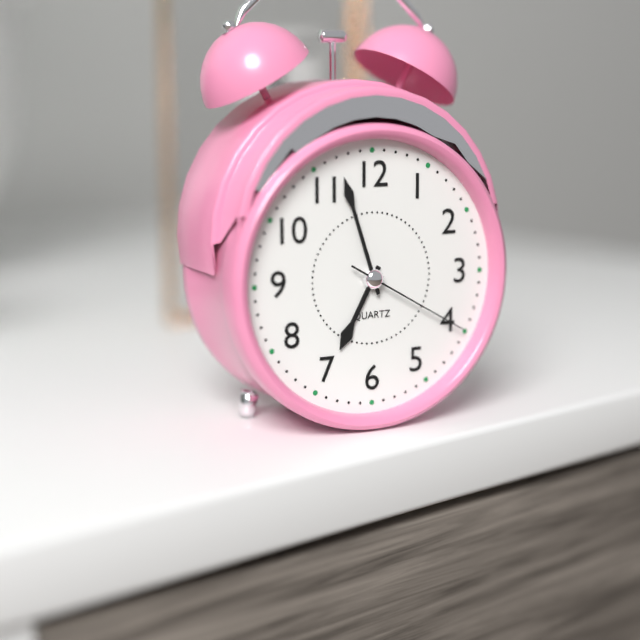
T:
6.57.20
